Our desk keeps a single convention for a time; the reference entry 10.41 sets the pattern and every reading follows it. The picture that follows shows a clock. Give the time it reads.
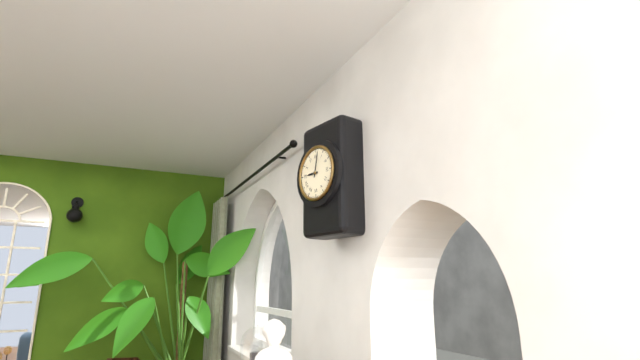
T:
9.02
